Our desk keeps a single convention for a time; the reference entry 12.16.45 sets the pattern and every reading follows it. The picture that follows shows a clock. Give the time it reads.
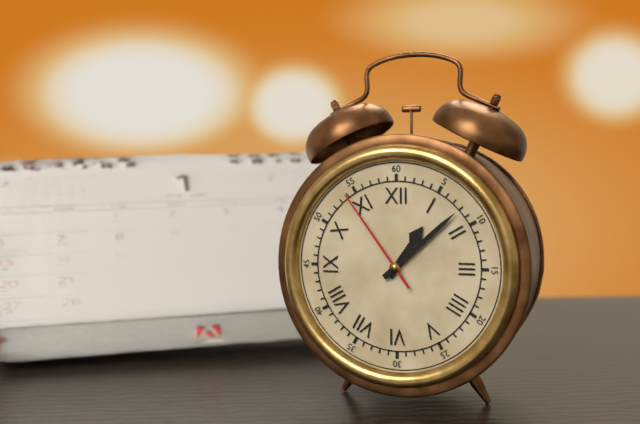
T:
1.08.54
